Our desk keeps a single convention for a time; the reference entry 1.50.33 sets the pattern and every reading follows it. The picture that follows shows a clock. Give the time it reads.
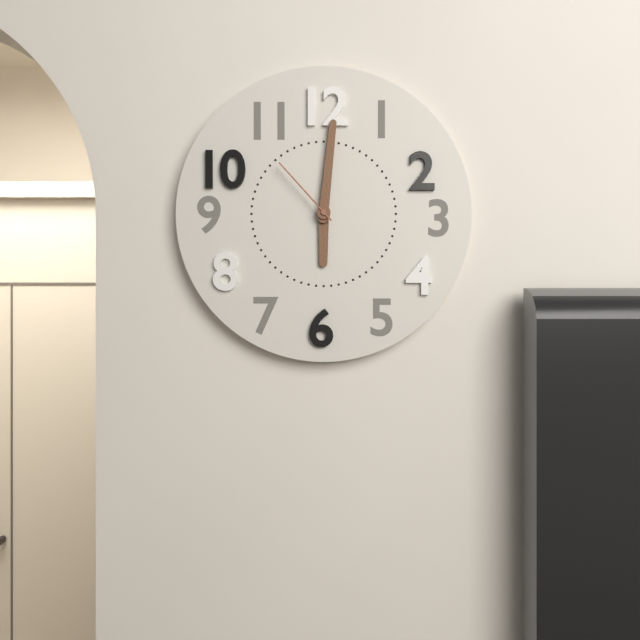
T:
6.01.53
